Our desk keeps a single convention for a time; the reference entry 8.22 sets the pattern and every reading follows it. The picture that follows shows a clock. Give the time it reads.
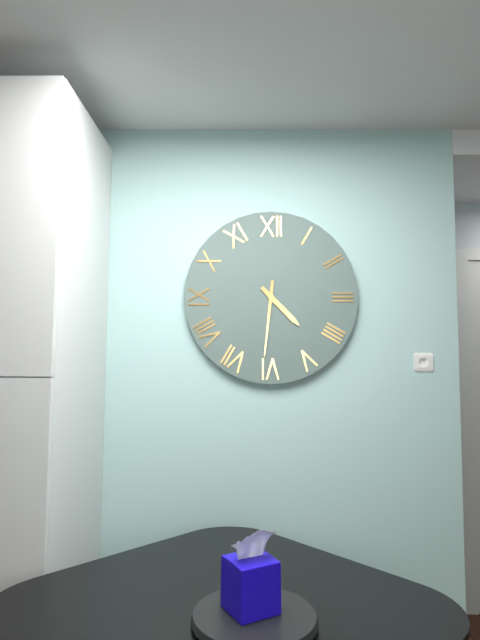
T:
4.31
